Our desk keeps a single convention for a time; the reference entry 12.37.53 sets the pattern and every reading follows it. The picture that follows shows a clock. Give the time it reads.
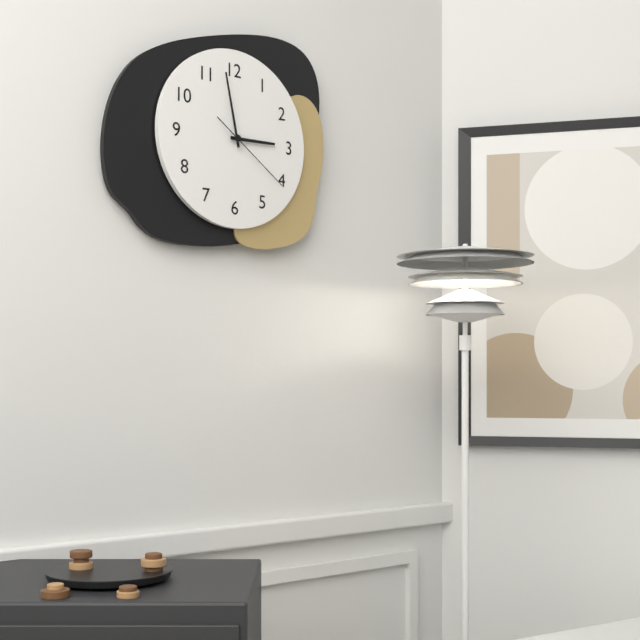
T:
2.58.21
